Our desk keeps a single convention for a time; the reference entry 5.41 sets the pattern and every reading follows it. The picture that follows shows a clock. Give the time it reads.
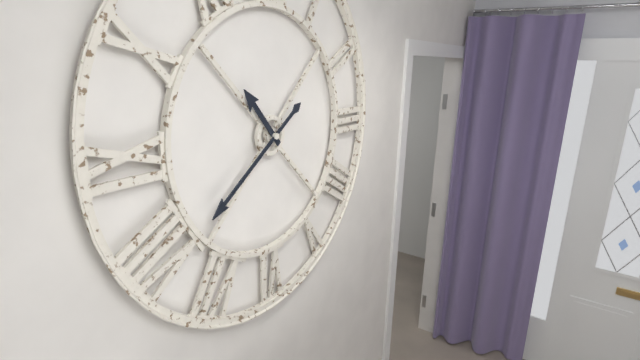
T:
10.39
